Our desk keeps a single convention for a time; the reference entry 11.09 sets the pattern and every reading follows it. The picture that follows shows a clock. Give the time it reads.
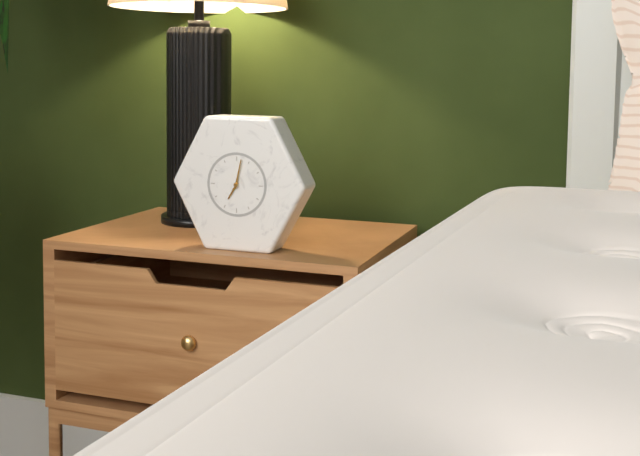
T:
7.02
